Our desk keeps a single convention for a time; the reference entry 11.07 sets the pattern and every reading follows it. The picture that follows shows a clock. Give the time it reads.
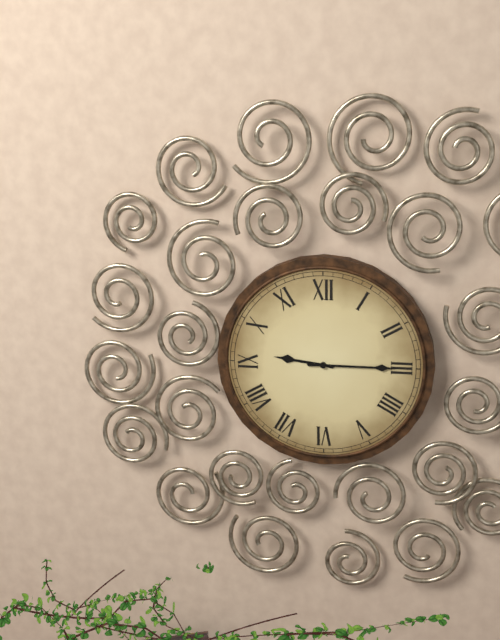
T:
9.15
